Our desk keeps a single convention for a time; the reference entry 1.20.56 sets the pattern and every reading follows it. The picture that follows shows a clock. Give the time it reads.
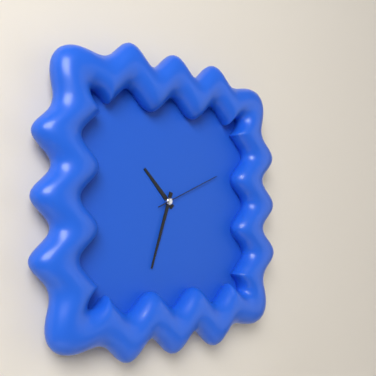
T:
10.33.11
